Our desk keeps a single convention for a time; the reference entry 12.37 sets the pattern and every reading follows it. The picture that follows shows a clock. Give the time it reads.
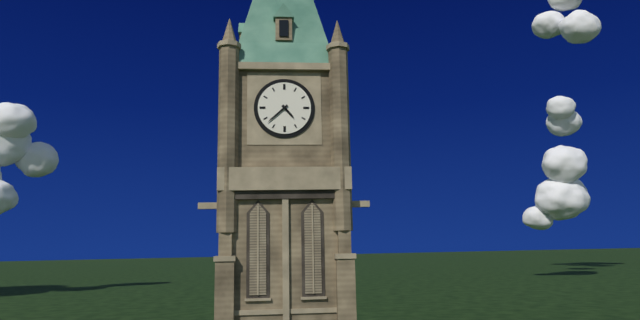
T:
4.38
